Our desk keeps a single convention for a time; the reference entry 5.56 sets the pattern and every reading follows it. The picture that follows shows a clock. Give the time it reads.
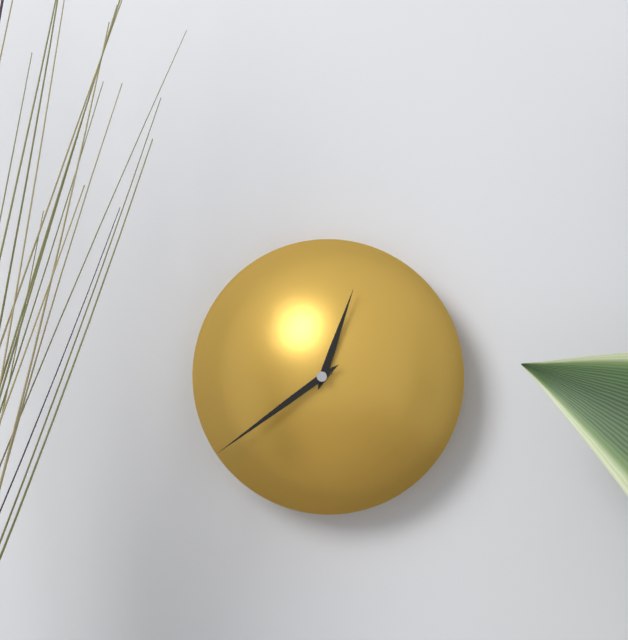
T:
12.39
